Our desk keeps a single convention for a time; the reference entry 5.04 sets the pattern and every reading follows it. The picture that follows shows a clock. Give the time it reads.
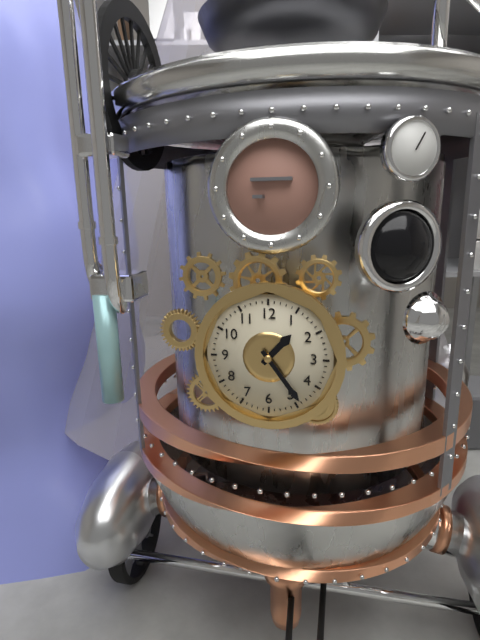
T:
1.24
